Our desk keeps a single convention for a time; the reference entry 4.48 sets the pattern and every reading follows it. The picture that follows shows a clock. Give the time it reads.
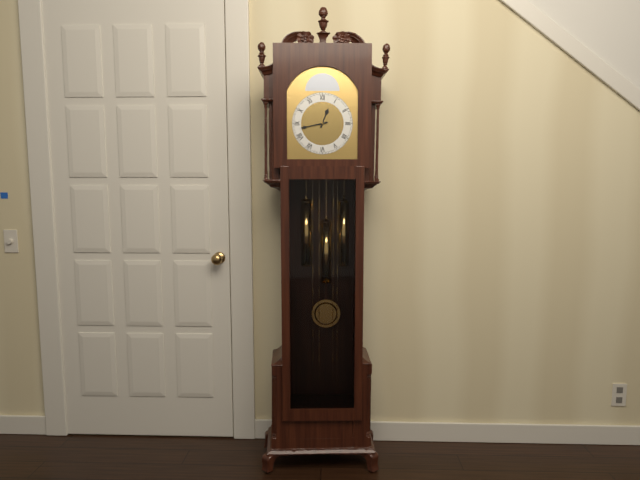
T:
12.43
